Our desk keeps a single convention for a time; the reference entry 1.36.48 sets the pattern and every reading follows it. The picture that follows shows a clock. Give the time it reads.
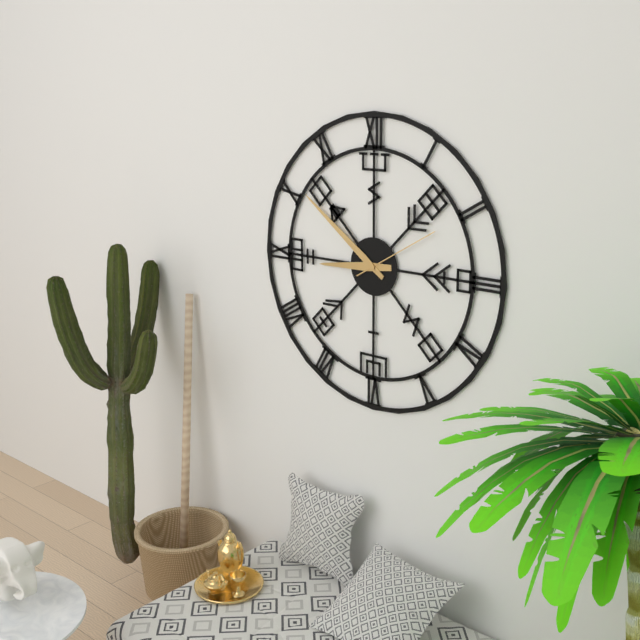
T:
8.51.10
